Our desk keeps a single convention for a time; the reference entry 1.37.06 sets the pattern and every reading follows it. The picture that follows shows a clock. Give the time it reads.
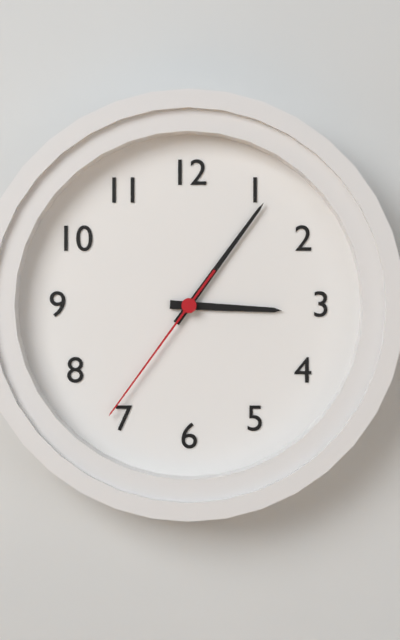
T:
3.06.36
